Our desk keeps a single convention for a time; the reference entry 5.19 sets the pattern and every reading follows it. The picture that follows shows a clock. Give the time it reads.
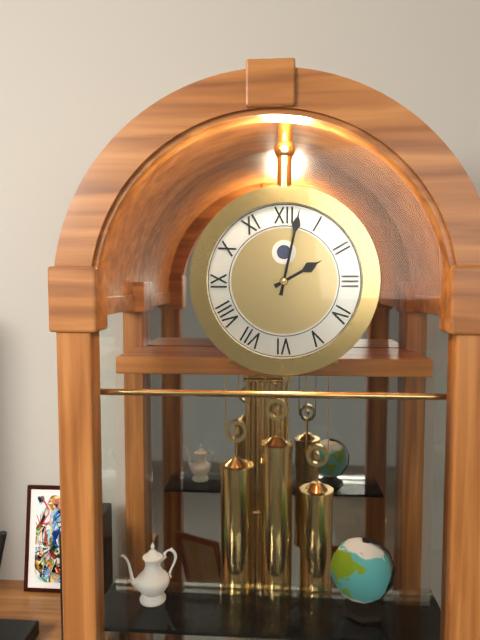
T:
2.02
